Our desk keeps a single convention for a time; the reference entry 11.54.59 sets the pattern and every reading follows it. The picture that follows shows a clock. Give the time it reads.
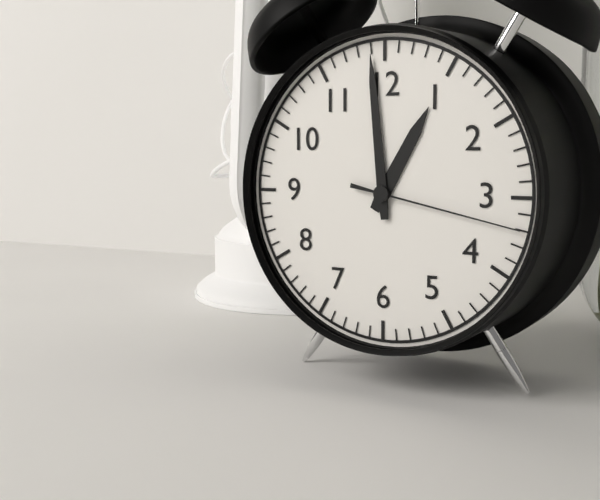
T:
12.59.17
